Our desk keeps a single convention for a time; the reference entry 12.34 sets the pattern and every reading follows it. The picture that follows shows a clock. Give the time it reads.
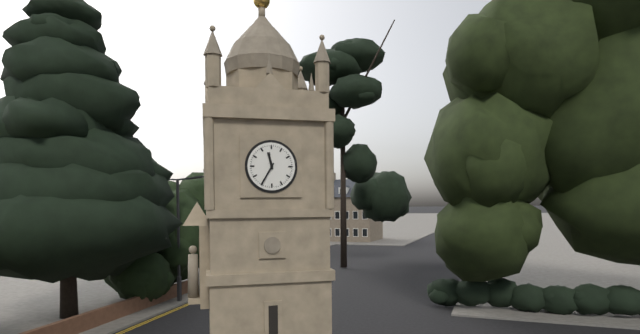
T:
11.35
